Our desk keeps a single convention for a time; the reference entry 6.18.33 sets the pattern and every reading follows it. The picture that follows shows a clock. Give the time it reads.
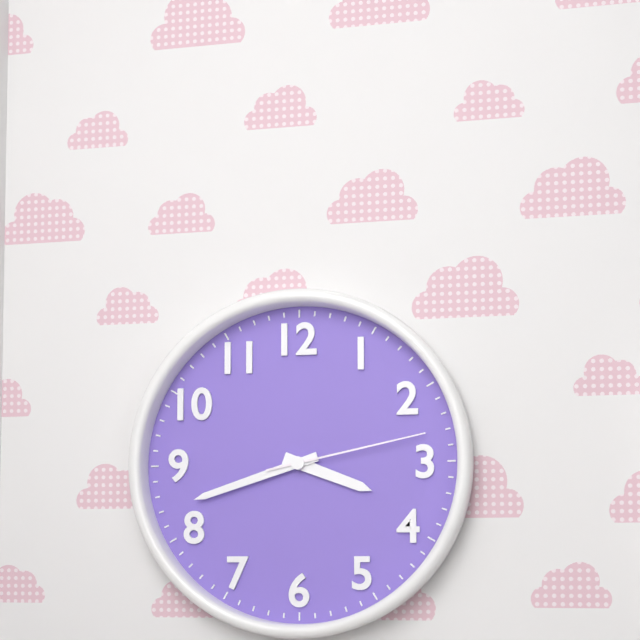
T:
3.42.13
